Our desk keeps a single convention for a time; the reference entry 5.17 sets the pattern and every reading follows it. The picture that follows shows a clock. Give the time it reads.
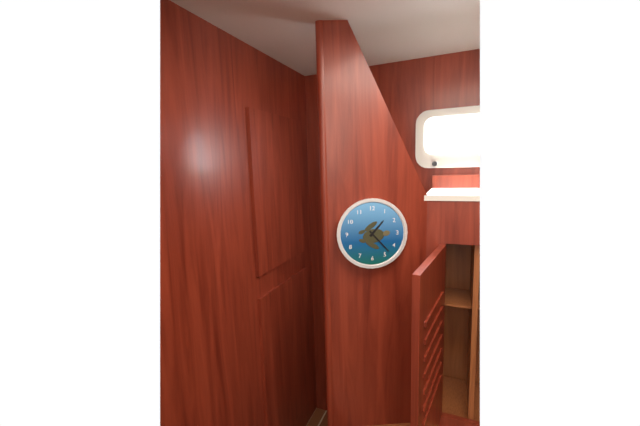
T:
1.23
